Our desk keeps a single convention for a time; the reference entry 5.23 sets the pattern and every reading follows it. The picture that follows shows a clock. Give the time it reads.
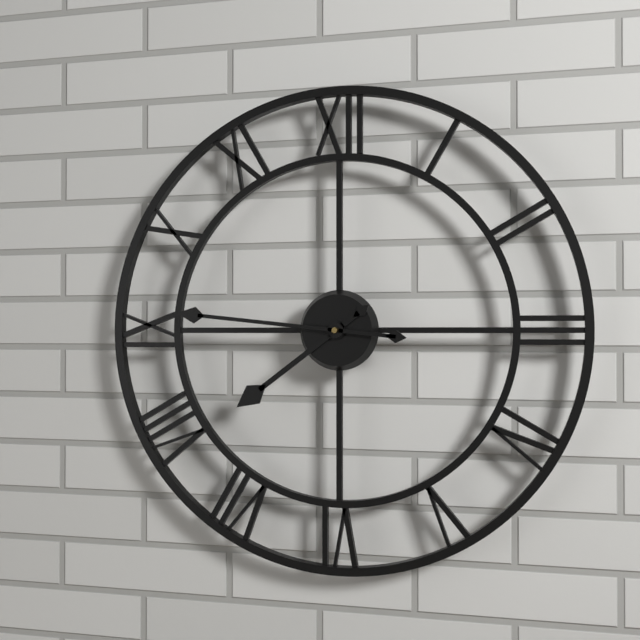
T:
7.46
